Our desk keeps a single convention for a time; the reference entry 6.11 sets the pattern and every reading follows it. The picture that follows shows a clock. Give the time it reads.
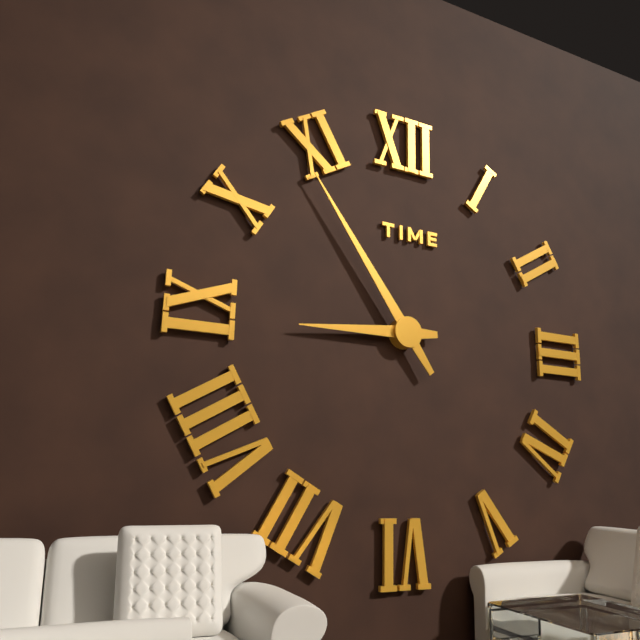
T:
8.54
